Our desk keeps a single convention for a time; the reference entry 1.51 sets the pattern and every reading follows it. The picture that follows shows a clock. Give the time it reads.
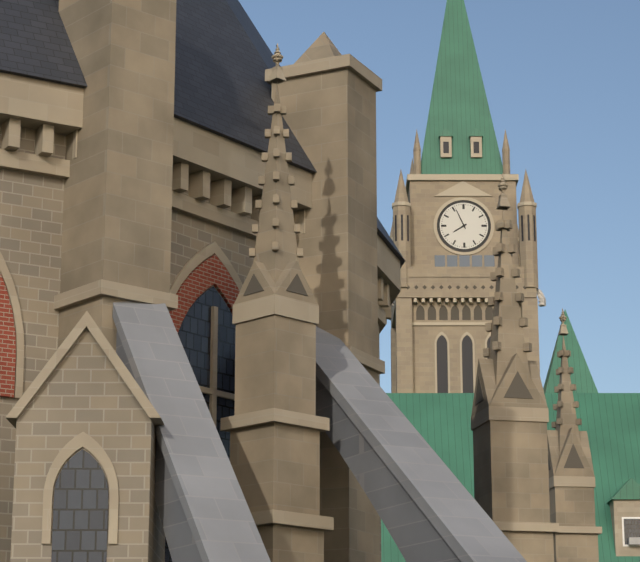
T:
7.56
